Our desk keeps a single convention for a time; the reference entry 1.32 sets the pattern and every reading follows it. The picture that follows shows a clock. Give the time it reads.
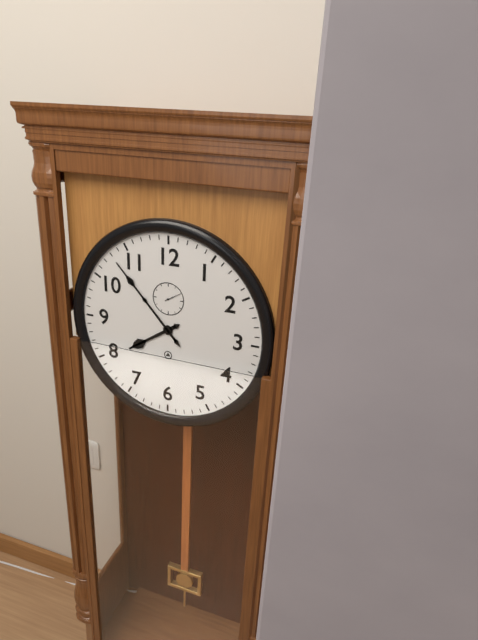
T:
7.53
